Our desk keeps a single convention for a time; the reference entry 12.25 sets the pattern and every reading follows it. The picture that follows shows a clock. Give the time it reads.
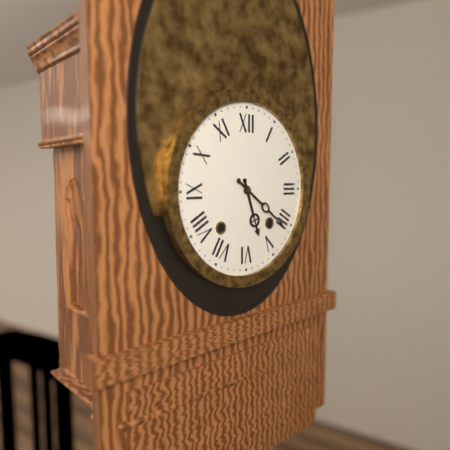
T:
5.21
